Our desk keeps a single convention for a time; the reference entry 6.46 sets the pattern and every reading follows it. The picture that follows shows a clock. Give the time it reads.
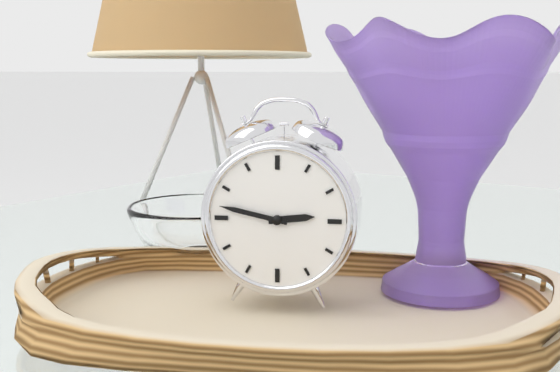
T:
2.47
